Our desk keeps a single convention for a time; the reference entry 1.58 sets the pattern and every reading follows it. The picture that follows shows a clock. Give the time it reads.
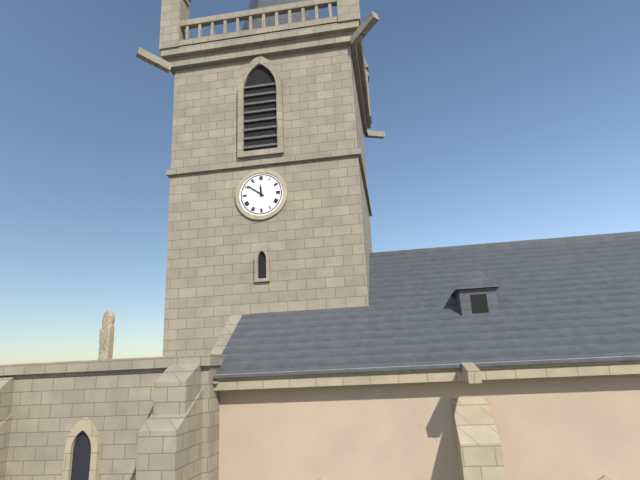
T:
11.51
